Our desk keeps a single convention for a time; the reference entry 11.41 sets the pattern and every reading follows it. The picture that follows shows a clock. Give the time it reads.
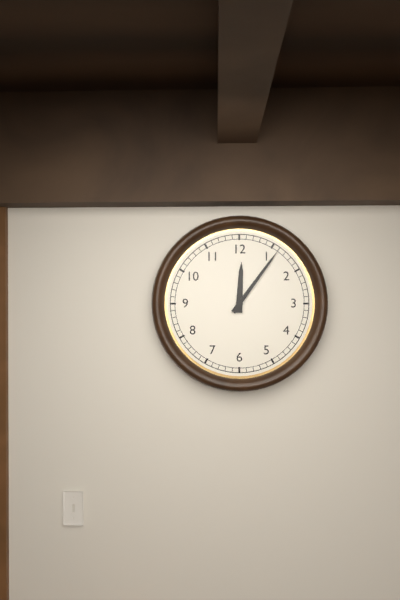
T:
12.06
